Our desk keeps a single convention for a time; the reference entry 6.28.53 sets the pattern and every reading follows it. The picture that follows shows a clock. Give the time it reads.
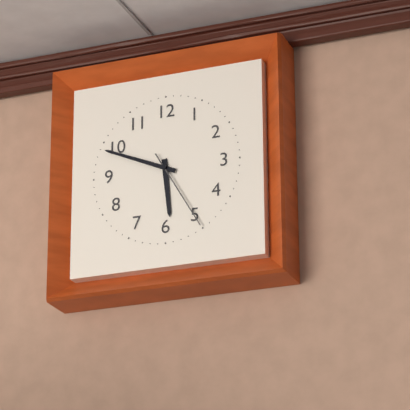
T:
5.49.25
